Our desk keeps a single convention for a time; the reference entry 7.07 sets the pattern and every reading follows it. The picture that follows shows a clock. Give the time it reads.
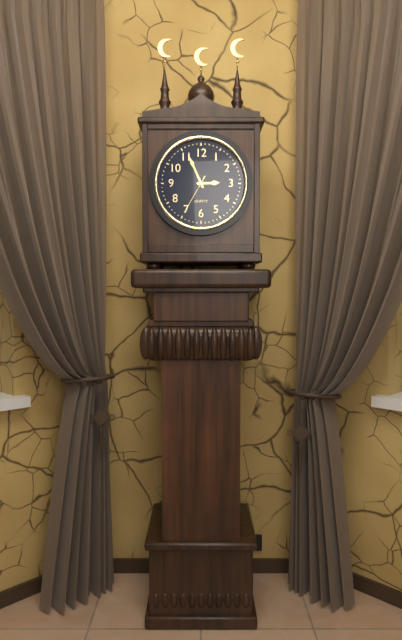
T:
2.56
